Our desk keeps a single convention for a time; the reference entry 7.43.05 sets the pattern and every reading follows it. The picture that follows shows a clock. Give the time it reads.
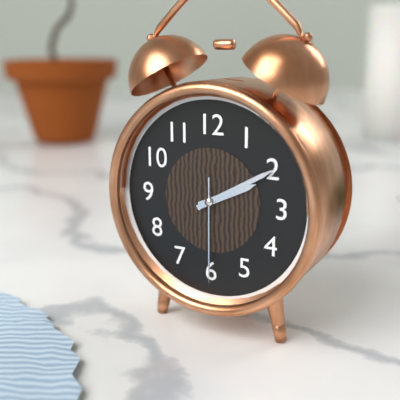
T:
2.10.30
